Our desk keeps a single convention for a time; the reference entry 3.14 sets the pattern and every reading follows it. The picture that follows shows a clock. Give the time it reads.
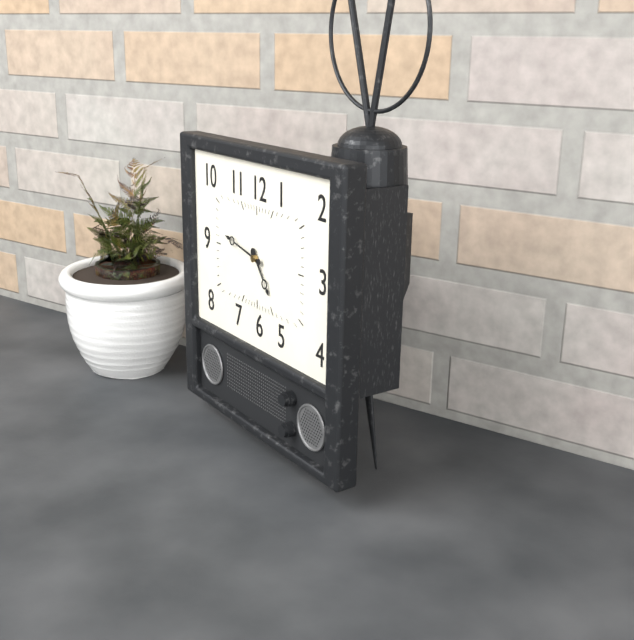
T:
4.47
